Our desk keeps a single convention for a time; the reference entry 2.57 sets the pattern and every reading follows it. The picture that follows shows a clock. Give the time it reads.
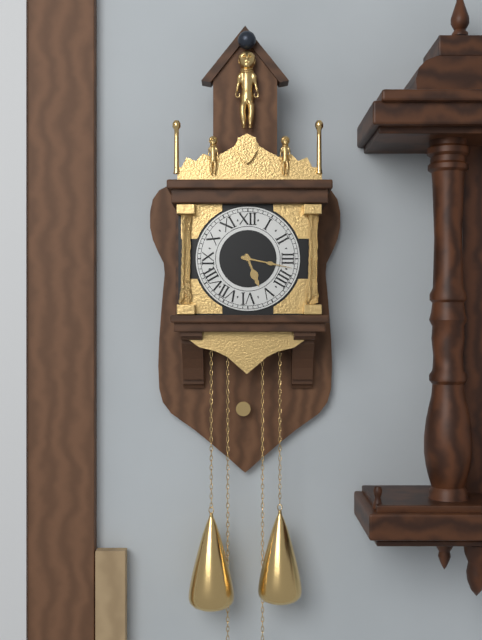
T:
5.17
